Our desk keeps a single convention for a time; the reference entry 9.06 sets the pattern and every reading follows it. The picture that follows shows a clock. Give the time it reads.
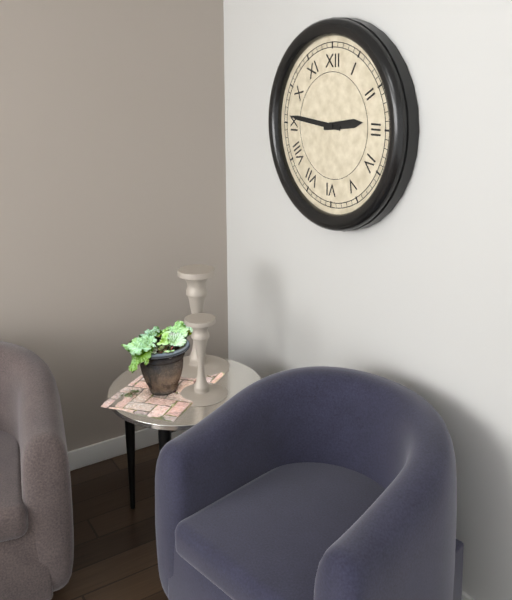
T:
2.46
